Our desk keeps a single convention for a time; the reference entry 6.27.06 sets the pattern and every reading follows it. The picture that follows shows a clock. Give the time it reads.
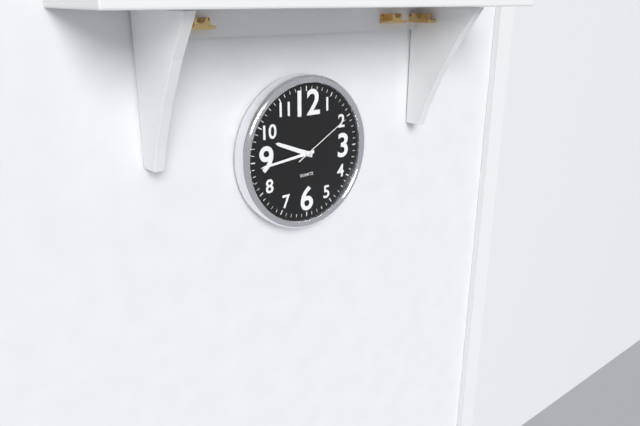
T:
9.44.10
